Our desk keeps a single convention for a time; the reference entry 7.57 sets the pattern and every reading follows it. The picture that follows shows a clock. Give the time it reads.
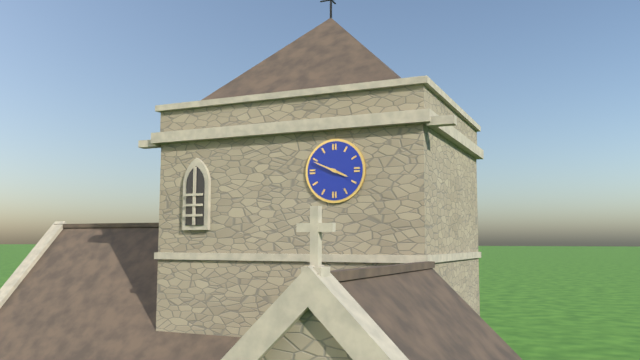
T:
3.49
